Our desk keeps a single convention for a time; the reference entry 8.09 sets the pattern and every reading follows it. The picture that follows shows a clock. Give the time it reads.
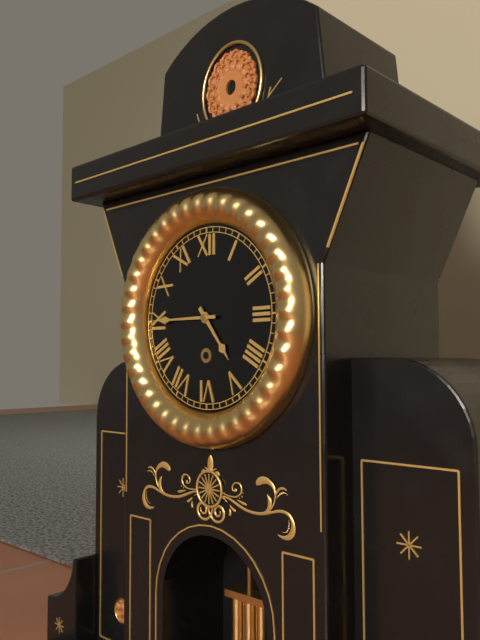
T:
4.45
